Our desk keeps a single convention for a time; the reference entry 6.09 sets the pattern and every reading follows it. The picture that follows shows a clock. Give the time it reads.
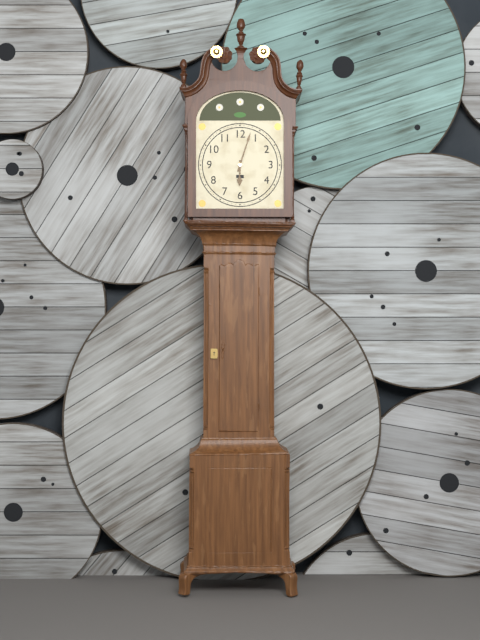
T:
6.03
